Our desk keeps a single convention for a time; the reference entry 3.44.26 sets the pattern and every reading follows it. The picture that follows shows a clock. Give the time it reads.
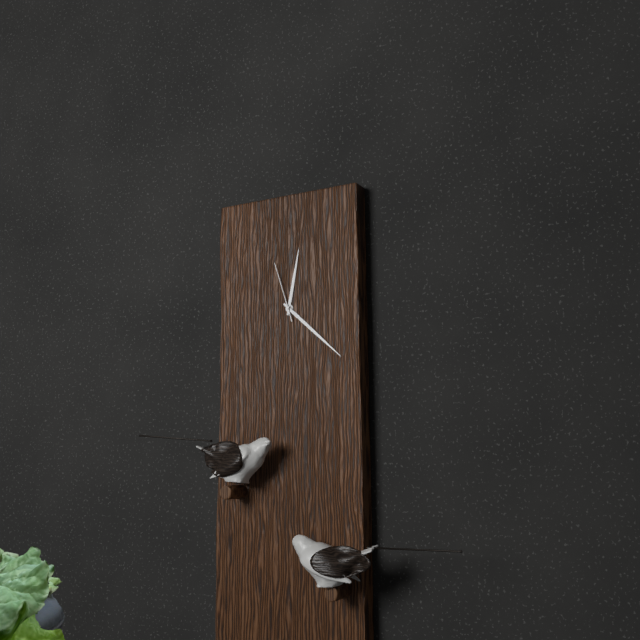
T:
12.22.57
